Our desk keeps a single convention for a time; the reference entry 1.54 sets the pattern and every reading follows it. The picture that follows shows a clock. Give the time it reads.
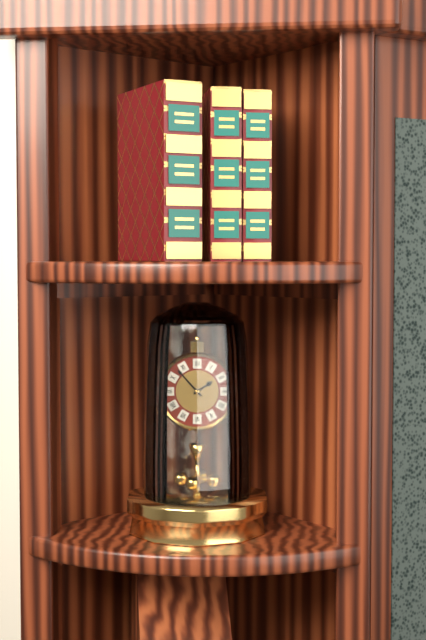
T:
1.53
